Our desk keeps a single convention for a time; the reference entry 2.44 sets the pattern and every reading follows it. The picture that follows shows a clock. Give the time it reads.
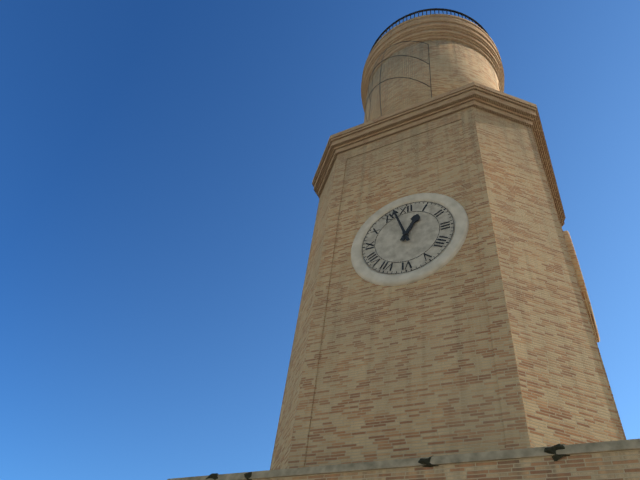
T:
12.57
